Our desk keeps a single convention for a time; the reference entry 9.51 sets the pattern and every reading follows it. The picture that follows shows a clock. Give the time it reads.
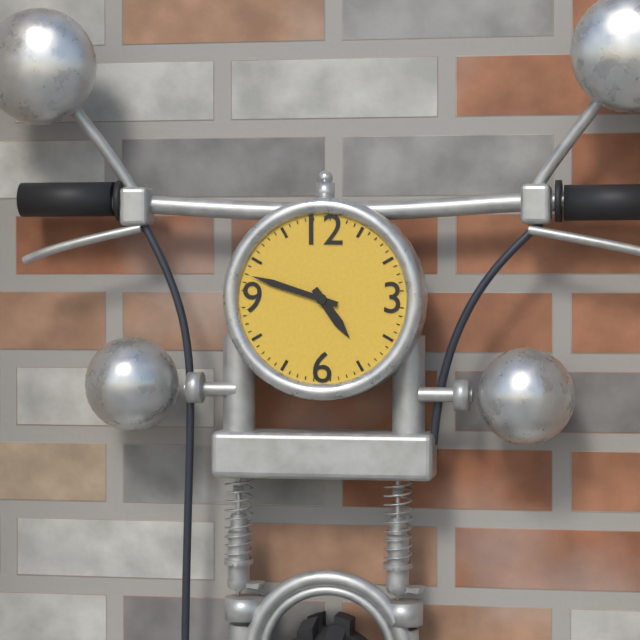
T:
4.48
